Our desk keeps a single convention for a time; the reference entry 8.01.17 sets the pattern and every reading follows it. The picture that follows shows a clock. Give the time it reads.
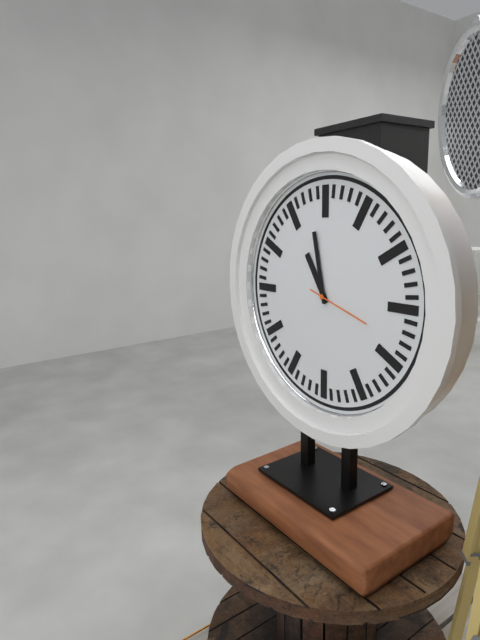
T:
10.58.18
